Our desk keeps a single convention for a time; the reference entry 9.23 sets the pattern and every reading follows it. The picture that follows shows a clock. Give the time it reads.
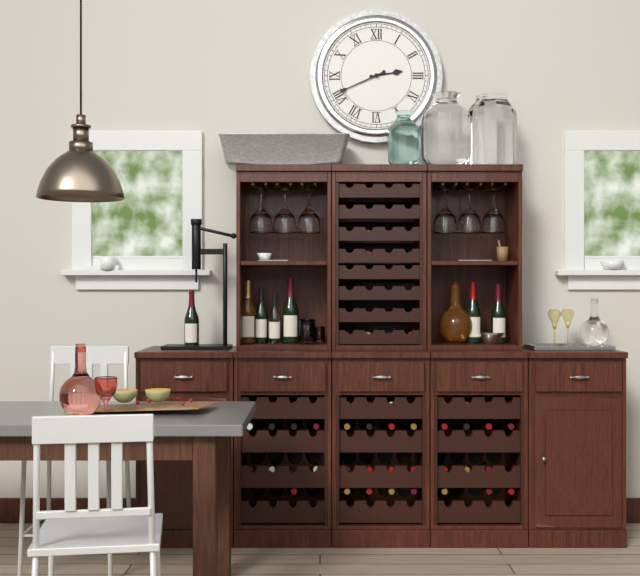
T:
2.41
